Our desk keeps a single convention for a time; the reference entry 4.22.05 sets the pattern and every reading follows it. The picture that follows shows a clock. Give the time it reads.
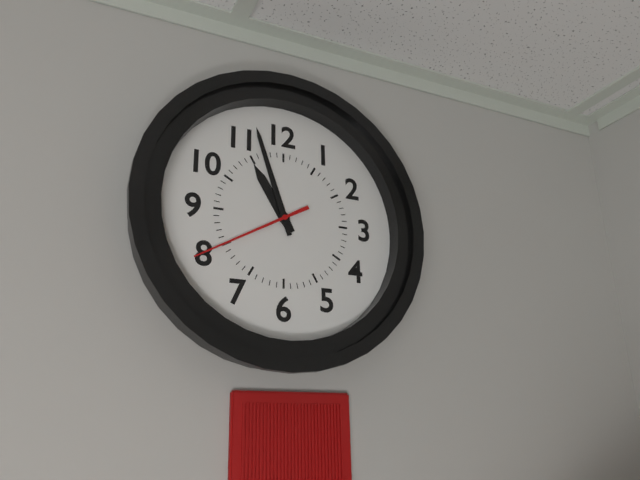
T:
10.57.40
